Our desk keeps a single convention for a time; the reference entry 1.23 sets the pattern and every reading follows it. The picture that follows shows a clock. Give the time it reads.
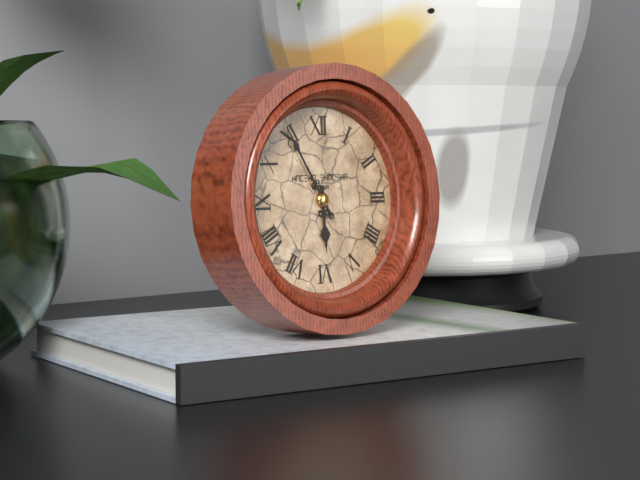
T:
5.55
